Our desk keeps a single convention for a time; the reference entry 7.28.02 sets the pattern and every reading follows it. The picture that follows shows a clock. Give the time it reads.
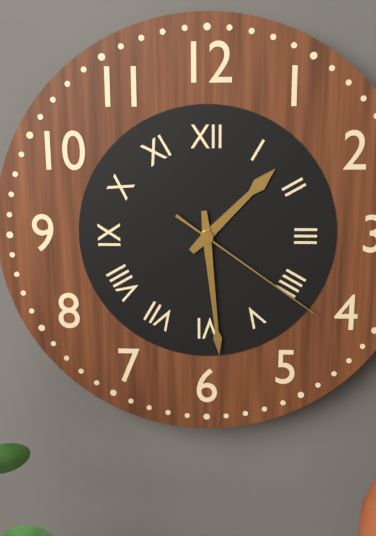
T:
1.29.21
